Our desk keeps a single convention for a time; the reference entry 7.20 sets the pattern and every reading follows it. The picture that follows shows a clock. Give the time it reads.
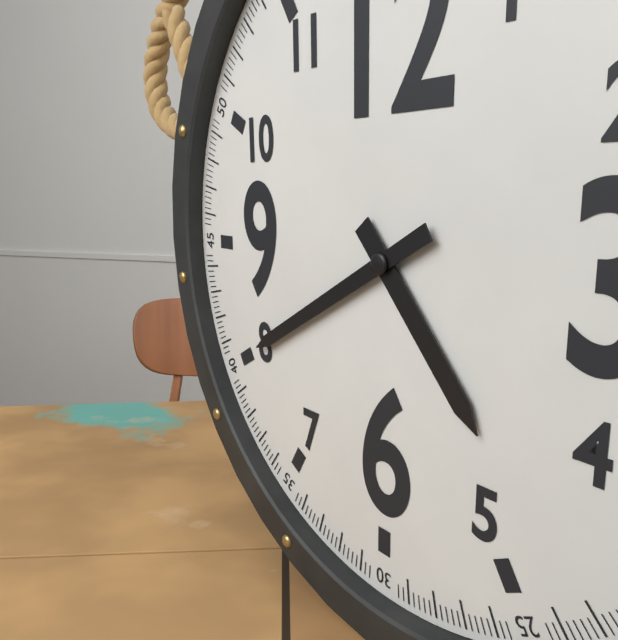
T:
4.40
